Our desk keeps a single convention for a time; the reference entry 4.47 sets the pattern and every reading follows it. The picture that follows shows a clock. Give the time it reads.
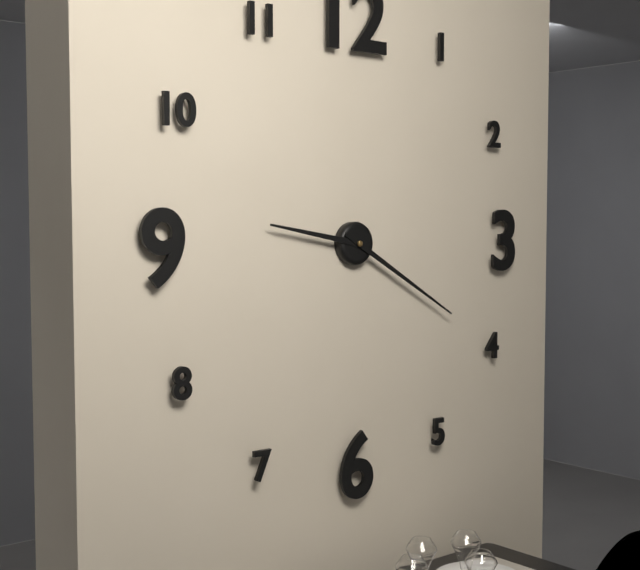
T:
9.20
